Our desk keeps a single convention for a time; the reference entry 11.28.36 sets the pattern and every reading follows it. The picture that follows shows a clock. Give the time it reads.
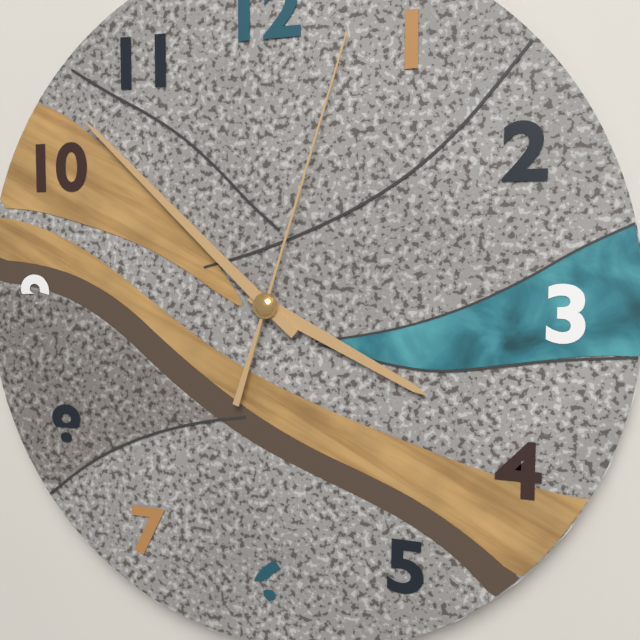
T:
3.52.03
